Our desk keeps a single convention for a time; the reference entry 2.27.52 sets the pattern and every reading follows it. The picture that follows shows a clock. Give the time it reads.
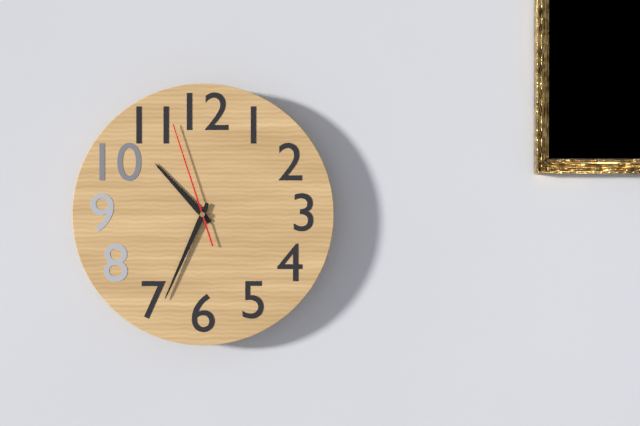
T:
10.34.57
